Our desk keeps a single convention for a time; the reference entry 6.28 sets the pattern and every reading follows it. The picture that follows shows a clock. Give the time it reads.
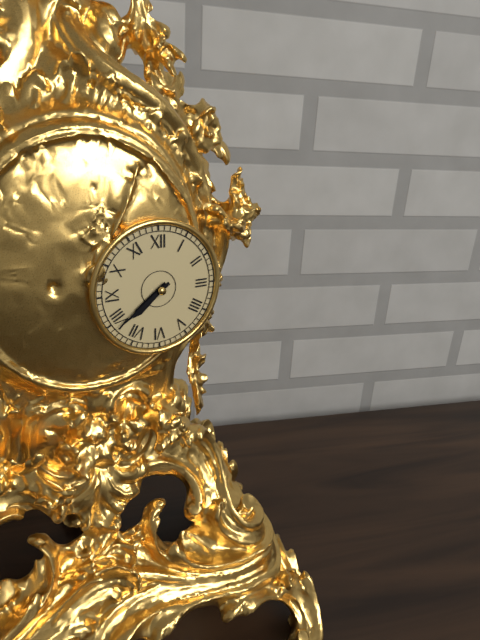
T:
7.39
